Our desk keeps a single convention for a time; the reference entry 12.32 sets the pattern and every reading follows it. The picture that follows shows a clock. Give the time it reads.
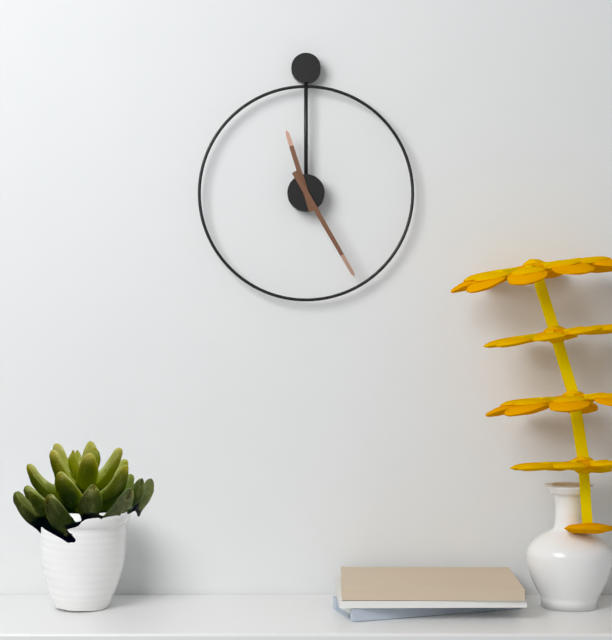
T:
11.25
